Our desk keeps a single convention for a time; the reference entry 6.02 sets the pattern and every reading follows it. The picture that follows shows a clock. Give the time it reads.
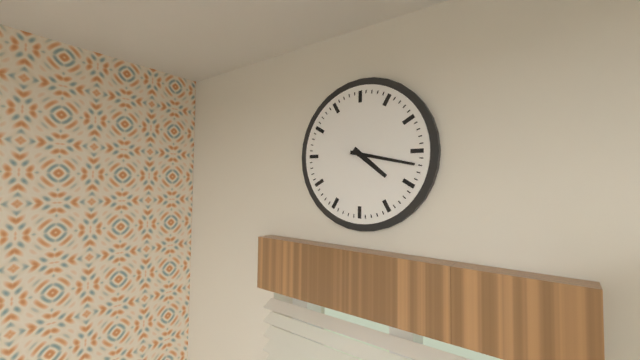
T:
4.17
